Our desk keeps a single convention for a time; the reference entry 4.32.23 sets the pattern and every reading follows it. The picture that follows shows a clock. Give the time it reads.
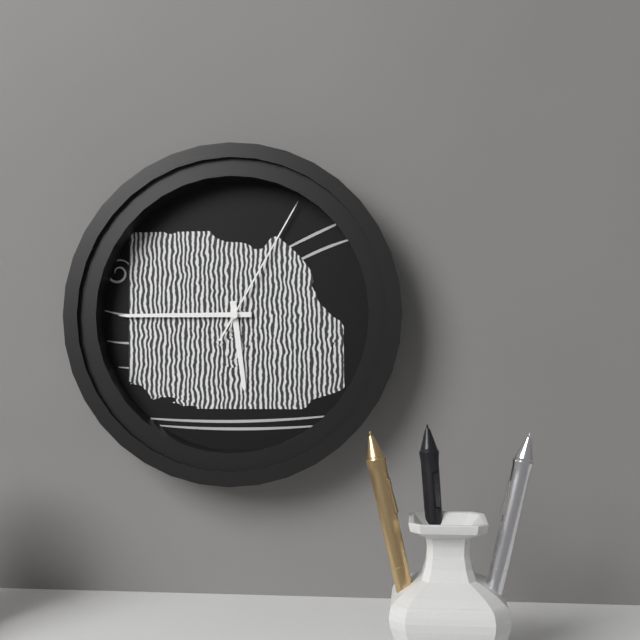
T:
5.45.05
